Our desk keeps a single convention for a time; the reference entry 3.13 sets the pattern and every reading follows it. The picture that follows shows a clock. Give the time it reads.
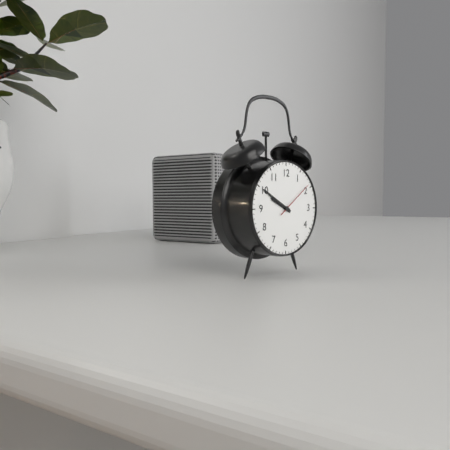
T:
9.50
